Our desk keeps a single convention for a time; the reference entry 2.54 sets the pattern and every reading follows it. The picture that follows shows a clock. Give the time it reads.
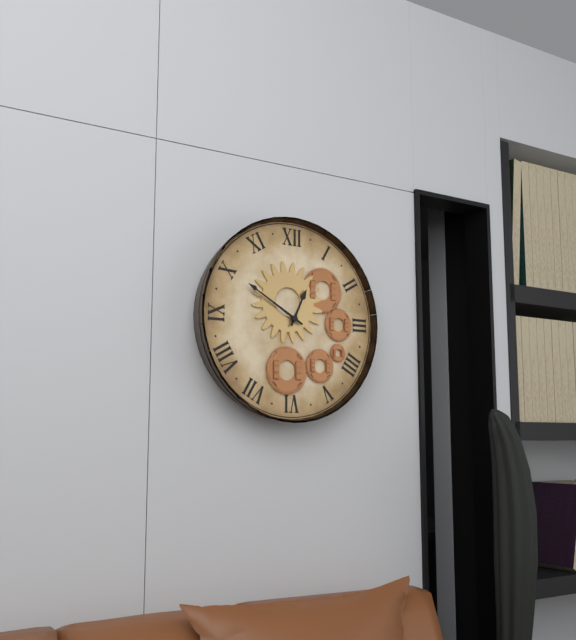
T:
12.50
